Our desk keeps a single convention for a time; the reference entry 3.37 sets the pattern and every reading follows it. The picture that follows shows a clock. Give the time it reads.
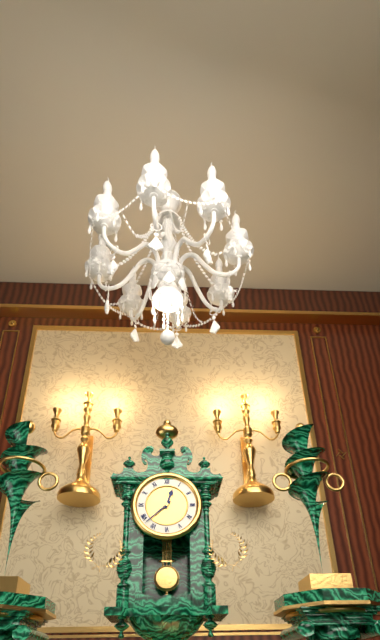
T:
12.38
